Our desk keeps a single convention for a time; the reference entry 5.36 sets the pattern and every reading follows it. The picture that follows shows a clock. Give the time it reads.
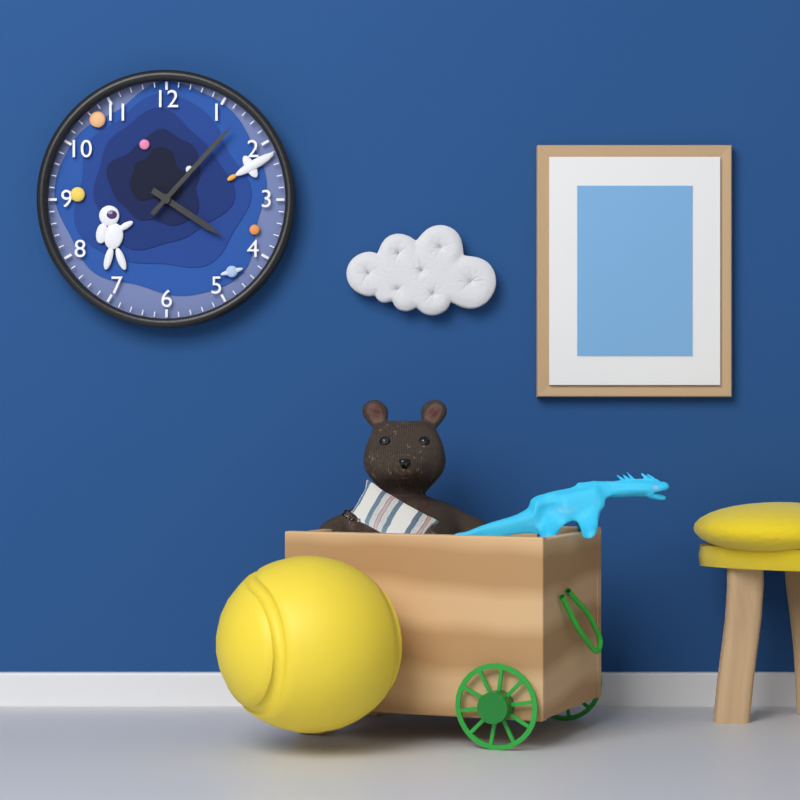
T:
4.07
